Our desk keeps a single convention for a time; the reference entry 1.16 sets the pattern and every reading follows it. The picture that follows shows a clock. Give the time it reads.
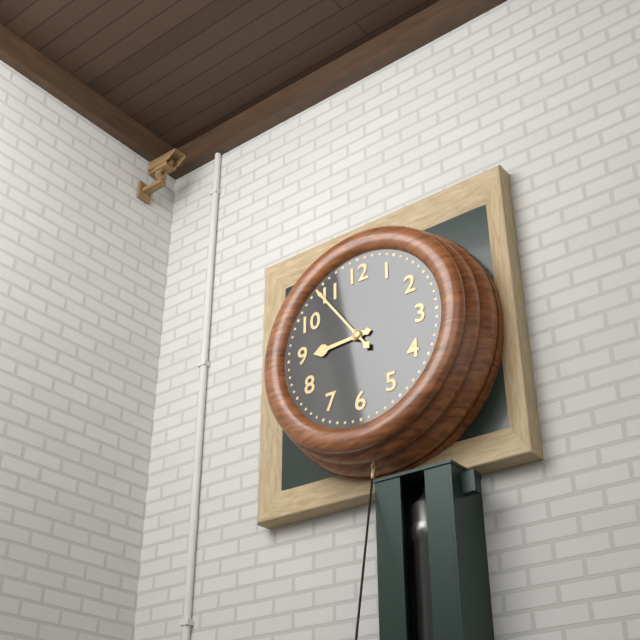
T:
8.54
